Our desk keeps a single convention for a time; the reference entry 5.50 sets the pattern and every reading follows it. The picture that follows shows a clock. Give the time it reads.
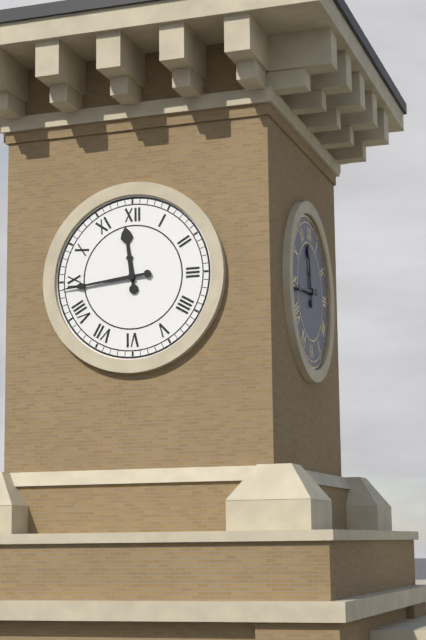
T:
11.44
